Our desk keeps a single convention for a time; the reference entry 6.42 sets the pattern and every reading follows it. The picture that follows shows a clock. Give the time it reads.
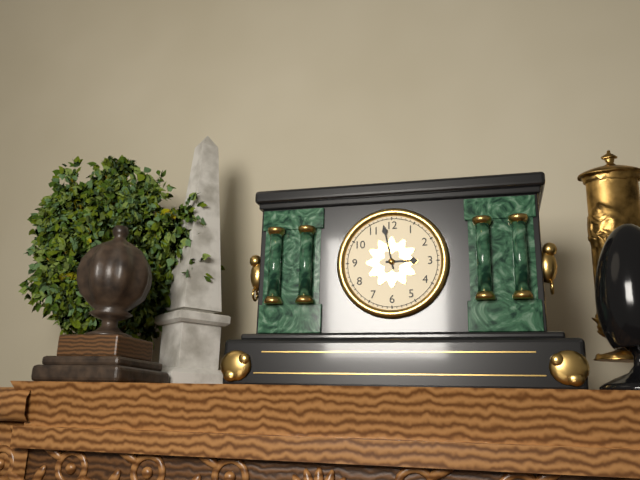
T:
2.58
